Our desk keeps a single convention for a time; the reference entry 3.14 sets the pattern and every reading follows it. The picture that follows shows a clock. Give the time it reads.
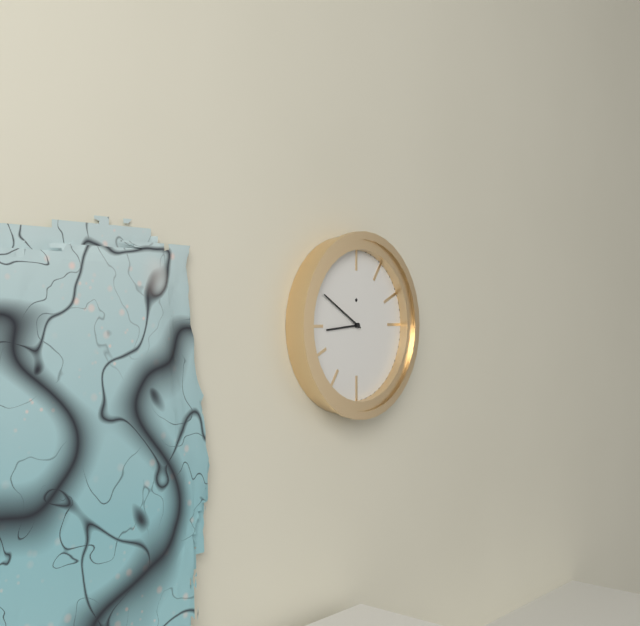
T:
8.50
